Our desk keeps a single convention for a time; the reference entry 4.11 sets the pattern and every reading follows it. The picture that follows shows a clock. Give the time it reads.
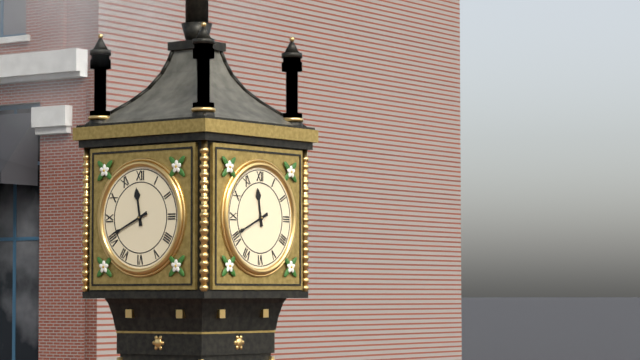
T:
11.41
